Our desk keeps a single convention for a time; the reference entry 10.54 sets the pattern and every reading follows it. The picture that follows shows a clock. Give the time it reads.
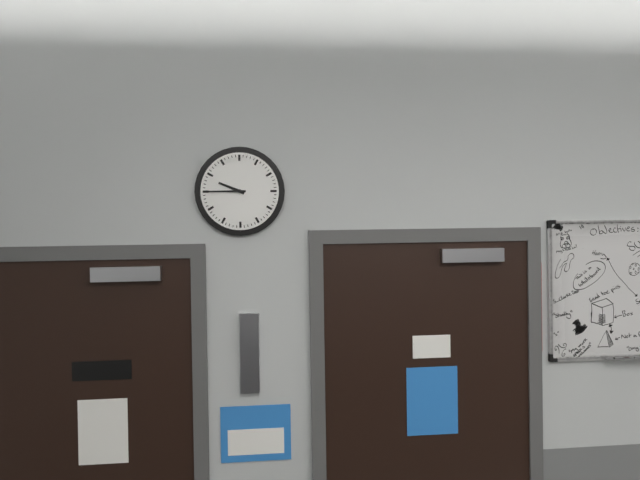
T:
9.45
